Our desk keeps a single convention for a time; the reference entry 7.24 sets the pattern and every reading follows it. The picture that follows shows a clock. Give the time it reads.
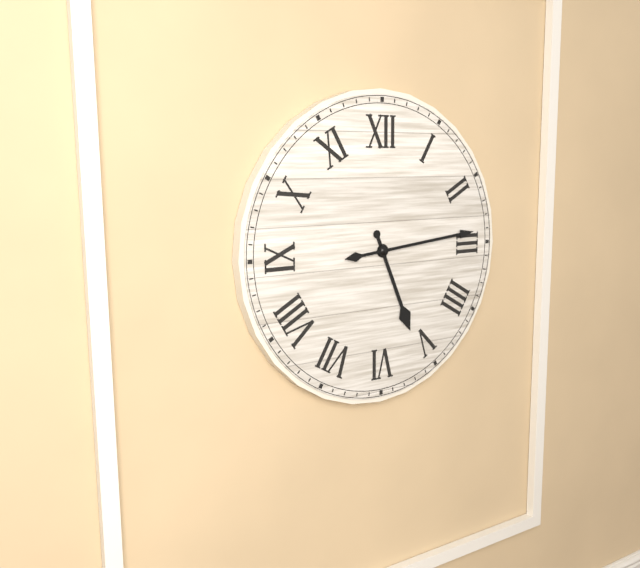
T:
5.14
